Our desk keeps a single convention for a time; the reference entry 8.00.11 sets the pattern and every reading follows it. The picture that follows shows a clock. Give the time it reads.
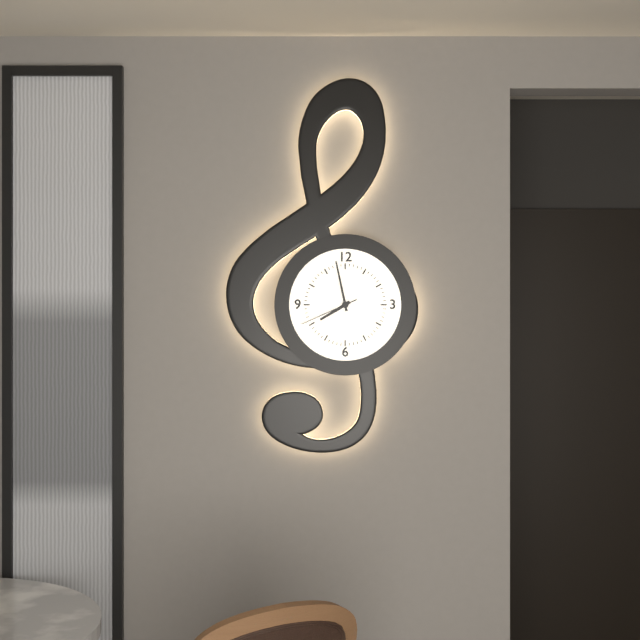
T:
7.58.41
